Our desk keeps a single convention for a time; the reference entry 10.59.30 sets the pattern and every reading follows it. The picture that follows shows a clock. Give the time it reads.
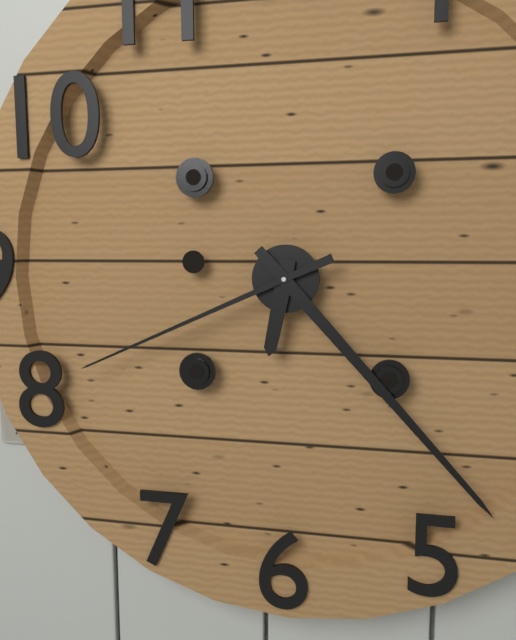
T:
6.23.41
